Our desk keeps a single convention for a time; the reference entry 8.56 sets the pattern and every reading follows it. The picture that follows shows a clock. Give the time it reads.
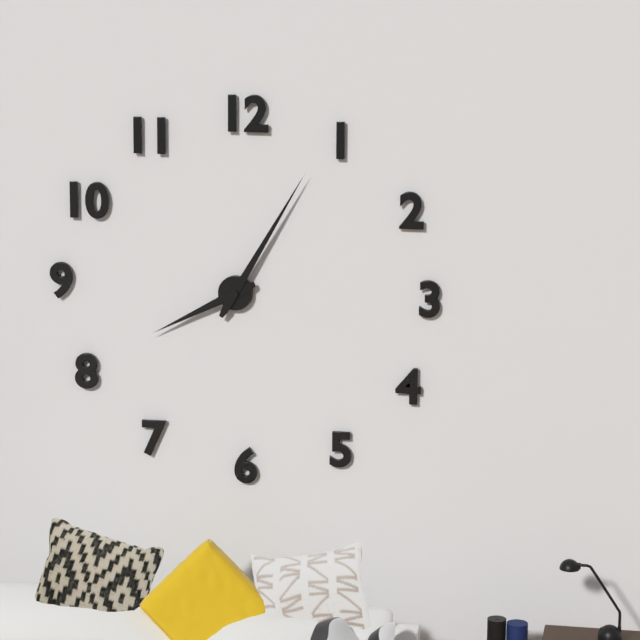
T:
8.05
